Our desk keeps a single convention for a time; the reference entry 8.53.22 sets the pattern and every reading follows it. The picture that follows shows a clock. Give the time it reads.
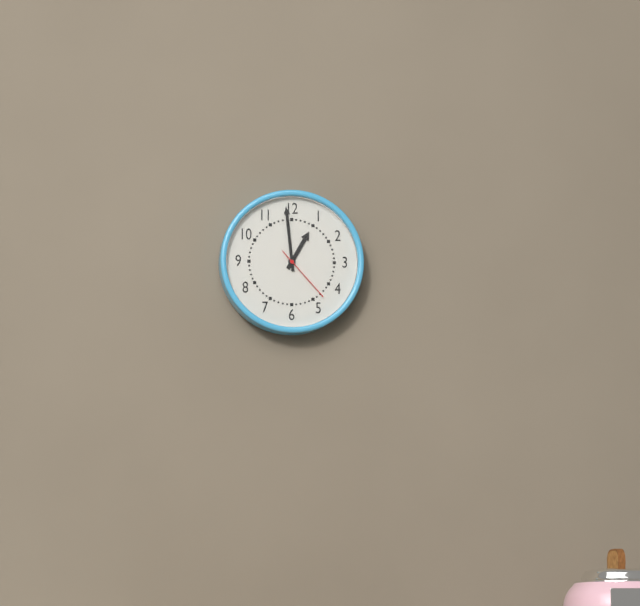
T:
12.59.23
